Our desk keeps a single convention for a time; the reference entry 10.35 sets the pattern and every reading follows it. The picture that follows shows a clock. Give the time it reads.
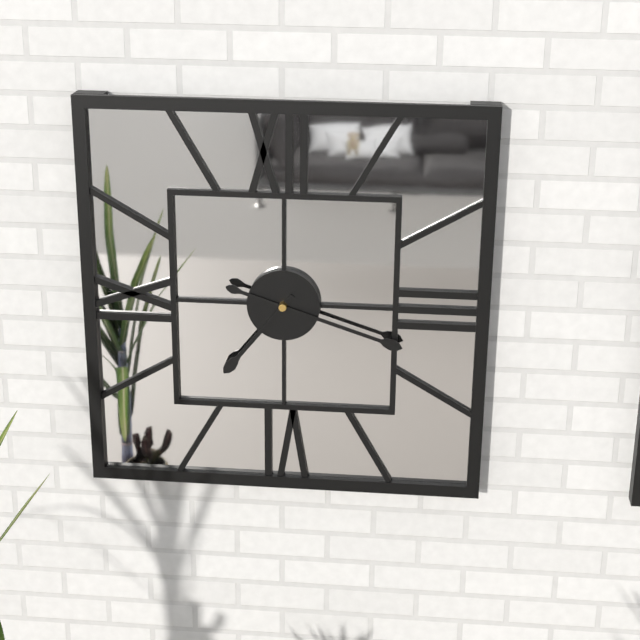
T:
7.18
